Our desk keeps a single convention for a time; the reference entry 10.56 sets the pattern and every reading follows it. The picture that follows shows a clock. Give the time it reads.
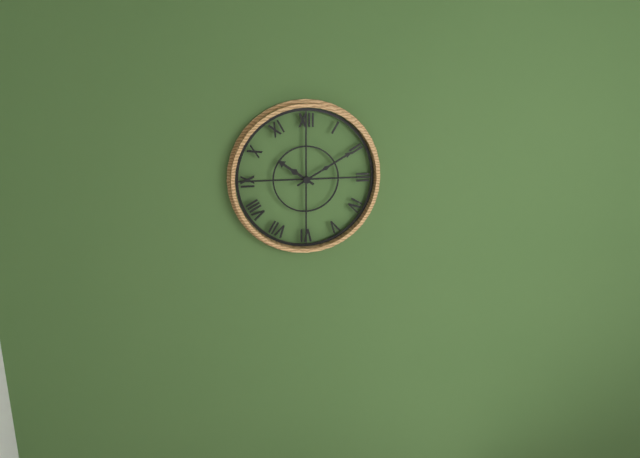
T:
10.10
